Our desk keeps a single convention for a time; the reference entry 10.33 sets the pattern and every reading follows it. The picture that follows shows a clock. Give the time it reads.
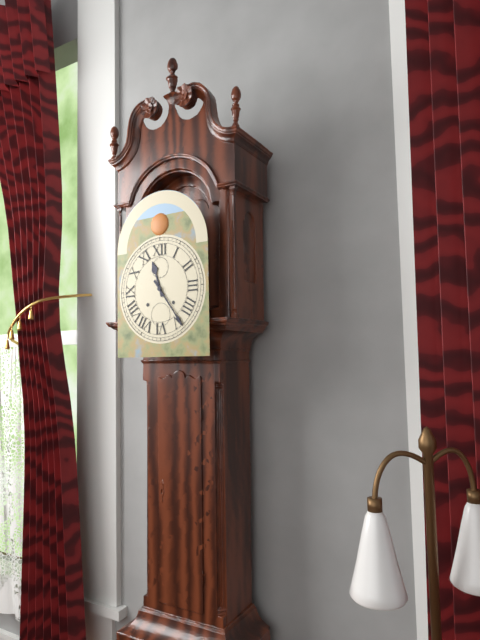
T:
11.24
